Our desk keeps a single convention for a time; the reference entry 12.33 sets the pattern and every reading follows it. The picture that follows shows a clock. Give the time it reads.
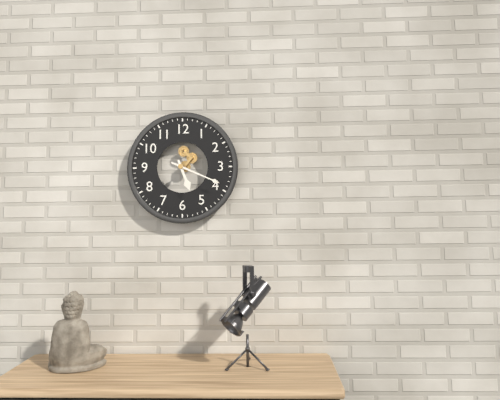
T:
5.19
